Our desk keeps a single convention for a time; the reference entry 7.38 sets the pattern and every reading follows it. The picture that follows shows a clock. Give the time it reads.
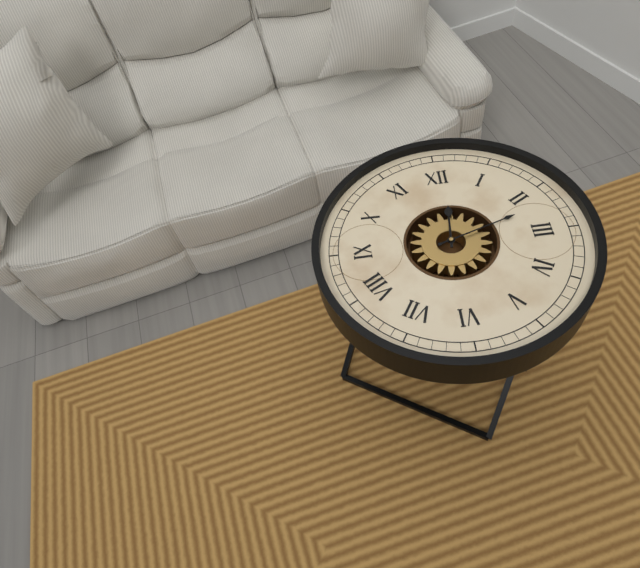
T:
12.12
